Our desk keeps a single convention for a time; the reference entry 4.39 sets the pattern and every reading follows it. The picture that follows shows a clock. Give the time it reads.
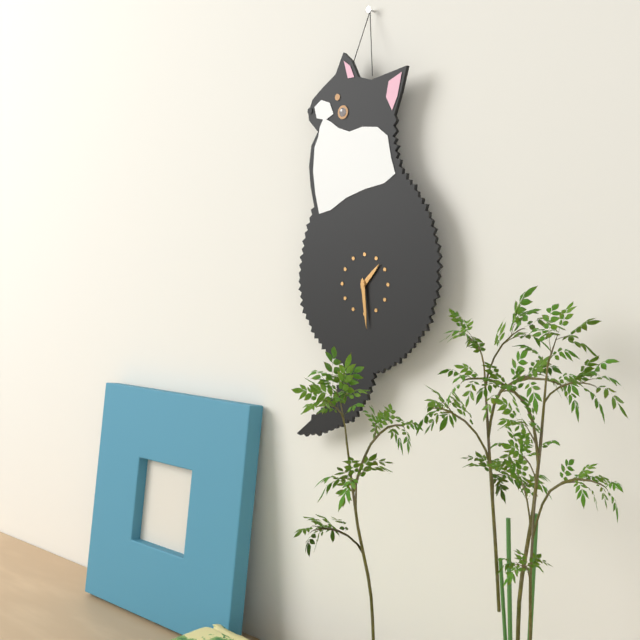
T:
1.29
